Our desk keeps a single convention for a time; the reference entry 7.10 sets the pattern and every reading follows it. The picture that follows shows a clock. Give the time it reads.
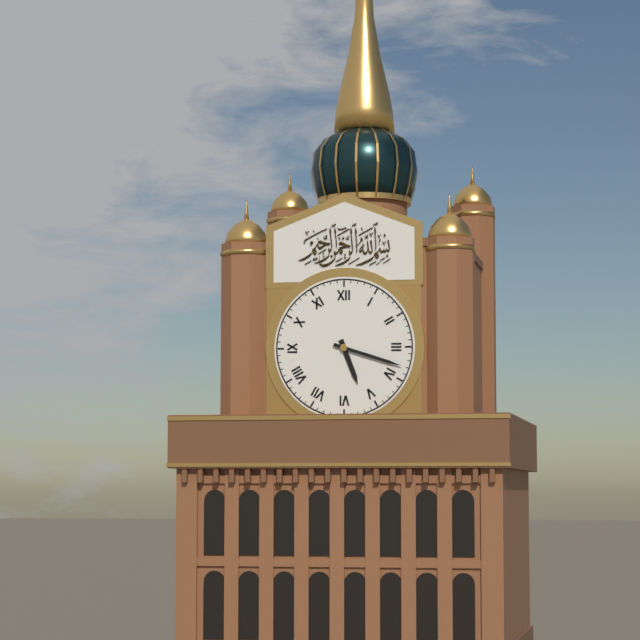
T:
5.18
